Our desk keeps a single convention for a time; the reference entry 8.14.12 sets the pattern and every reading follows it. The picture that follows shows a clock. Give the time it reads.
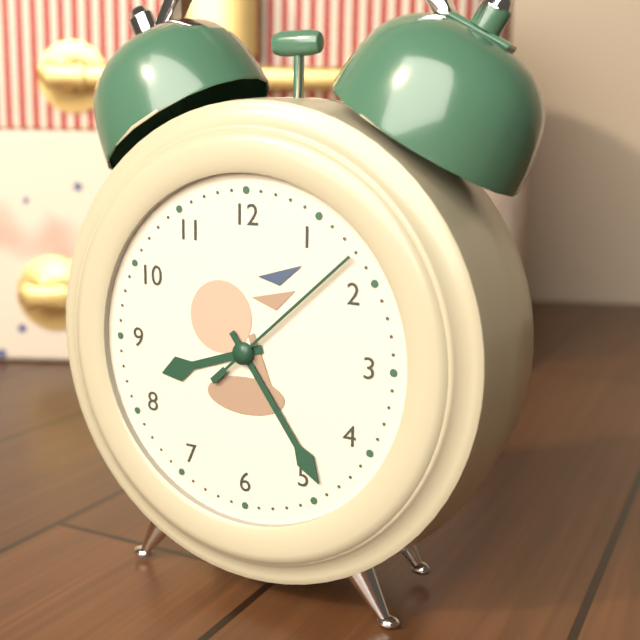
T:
8.24.08
